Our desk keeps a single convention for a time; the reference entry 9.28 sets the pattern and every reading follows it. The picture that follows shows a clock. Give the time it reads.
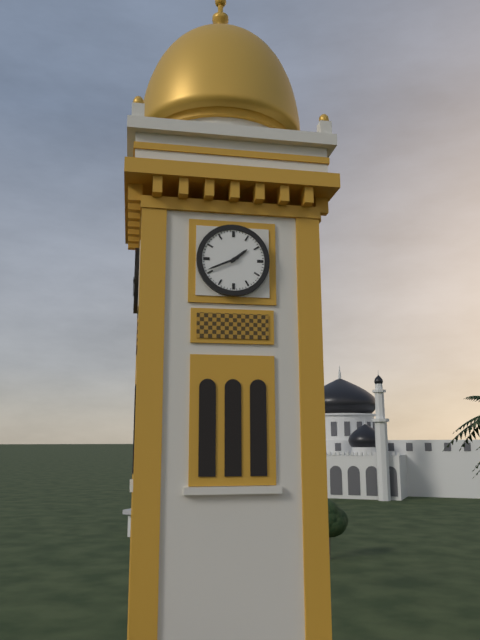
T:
1.41
